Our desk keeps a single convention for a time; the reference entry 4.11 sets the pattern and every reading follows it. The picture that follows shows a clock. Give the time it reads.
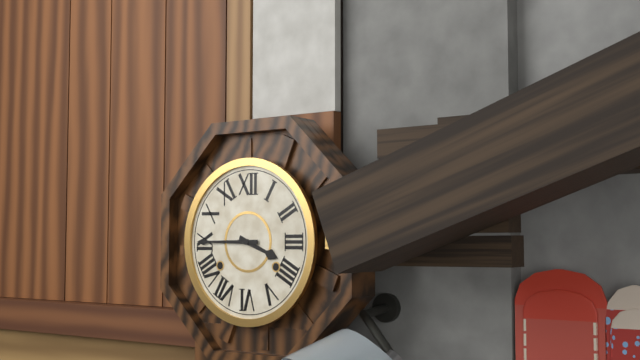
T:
3.45
